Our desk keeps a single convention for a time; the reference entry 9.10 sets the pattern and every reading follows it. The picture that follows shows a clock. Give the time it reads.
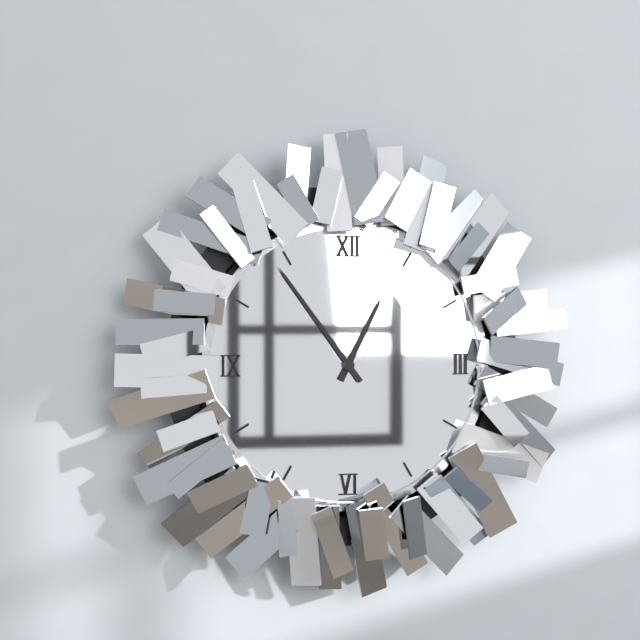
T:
12.54
